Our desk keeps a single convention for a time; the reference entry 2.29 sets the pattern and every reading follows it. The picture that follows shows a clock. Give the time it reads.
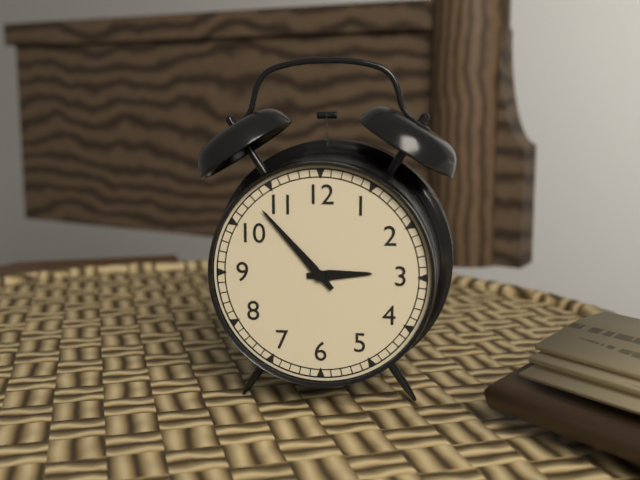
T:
2.53
